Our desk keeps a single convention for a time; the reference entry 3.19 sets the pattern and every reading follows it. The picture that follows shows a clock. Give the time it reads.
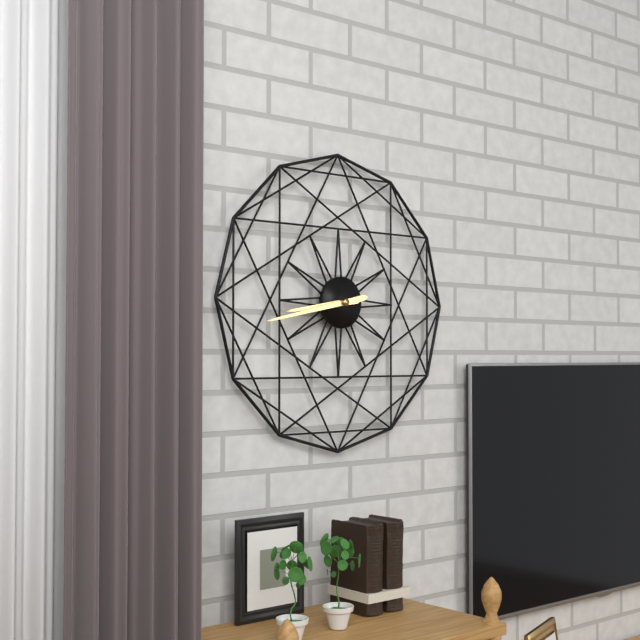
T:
8.43
